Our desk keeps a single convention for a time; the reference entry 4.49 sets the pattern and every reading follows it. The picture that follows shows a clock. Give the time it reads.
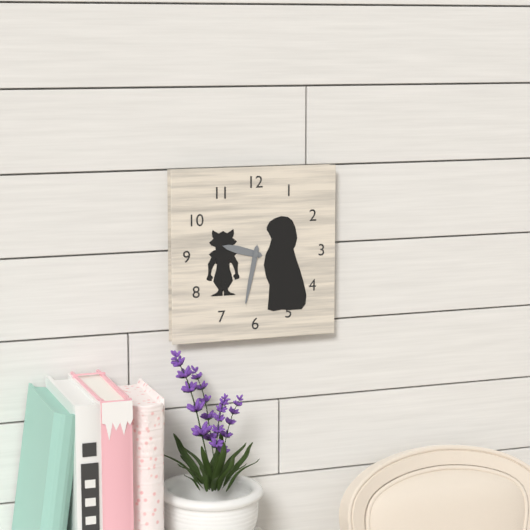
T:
9.32
